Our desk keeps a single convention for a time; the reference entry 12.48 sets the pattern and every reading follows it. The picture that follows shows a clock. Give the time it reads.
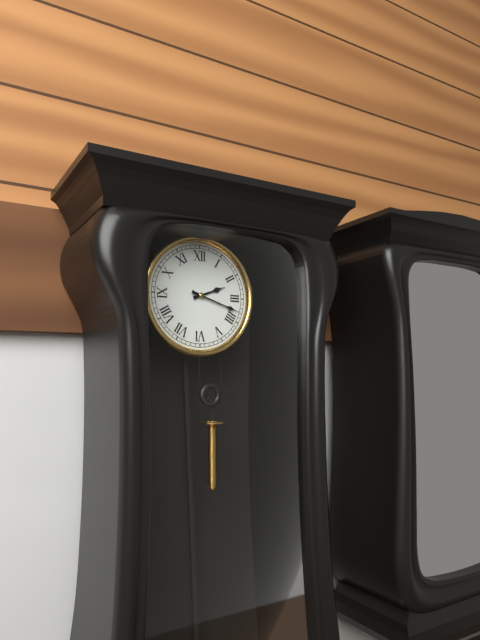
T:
2.18
